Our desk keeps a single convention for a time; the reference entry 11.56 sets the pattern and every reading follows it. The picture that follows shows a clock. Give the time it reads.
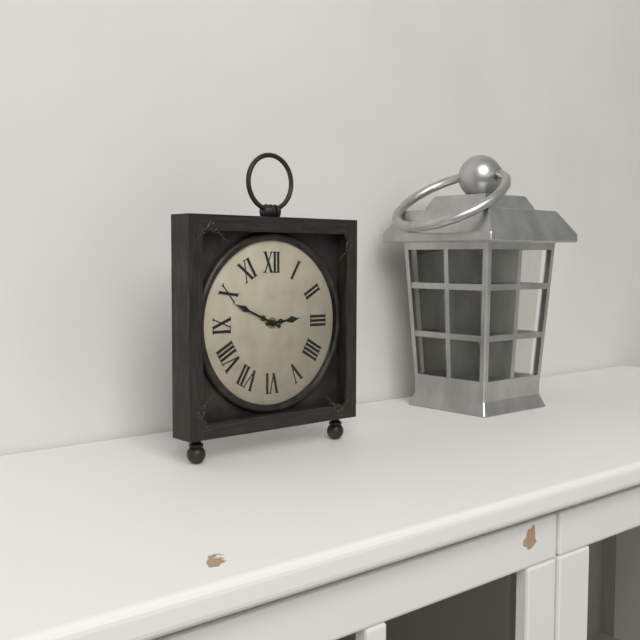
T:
2.49
